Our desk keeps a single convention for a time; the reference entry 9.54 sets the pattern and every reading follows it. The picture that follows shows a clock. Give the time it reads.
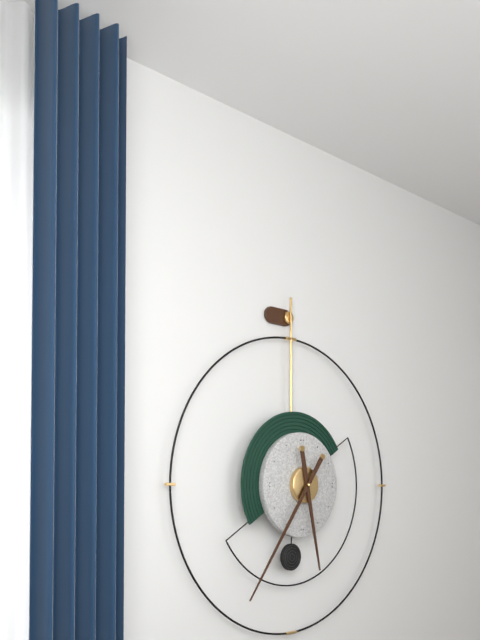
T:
5.36
